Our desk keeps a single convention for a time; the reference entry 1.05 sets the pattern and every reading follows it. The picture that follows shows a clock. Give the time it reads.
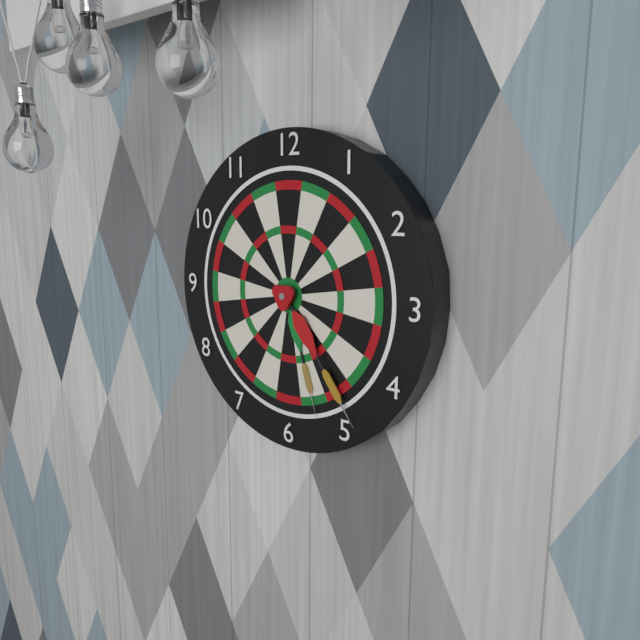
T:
5.24
